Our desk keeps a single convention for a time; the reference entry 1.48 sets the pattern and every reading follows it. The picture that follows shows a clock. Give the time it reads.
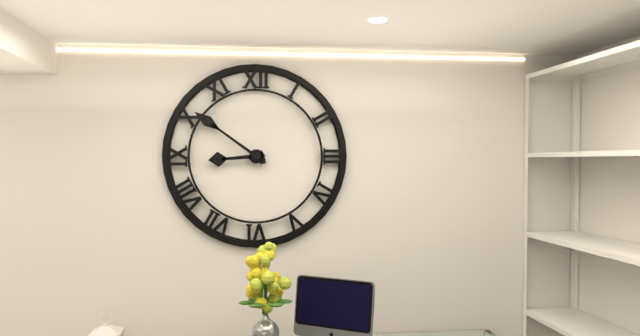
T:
8.51
